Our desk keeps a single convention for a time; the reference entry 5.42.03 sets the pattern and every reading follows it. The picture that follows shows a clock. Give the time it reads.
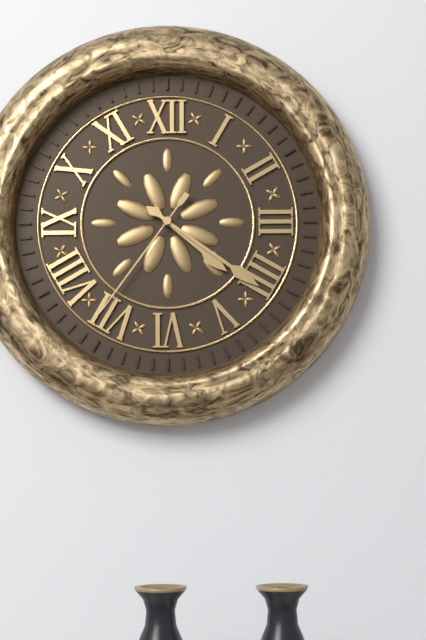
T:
4.21.36
